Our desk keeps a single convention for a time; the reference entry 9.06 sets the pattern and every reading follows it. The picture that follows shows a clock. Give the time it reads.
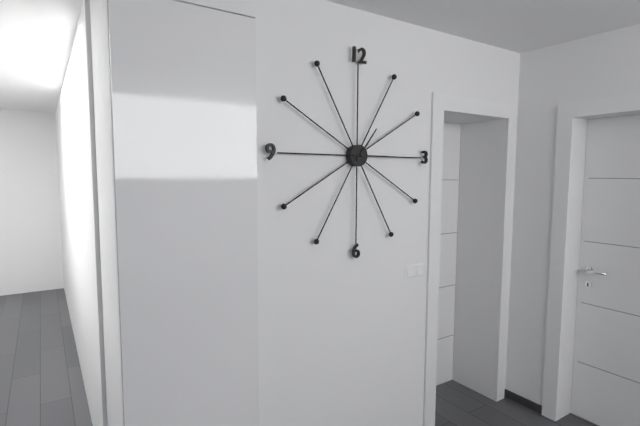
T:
1.15
